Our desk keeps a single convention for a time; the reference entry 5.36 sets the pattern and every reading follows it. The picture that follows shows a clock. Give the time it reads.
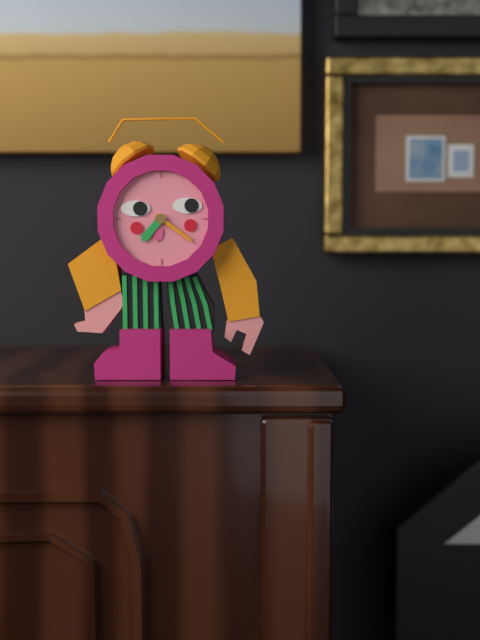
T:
7.21
